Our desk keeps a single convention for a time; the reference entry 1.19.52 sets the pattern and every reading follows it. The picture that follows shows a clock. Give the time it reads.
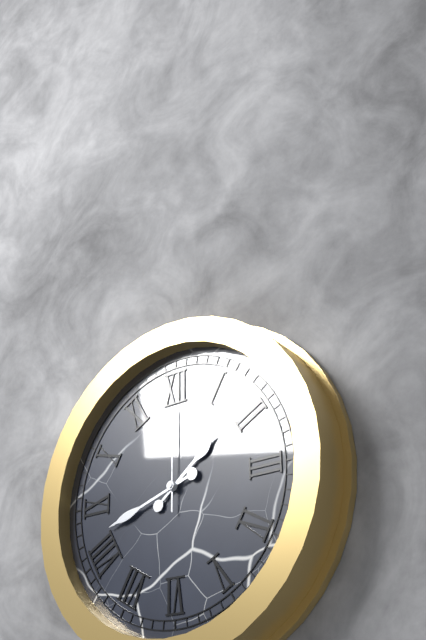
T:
1.42.00
